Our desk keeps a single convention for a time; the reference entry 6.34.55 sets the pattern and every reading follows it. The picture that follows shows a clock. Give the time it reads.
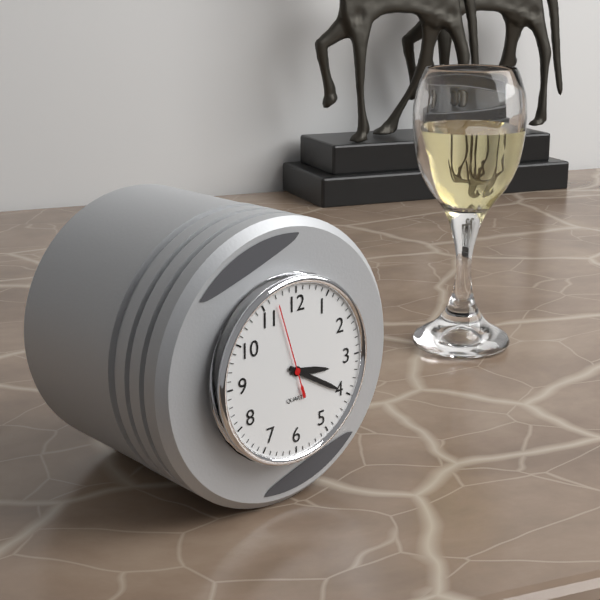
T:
3.20.57
